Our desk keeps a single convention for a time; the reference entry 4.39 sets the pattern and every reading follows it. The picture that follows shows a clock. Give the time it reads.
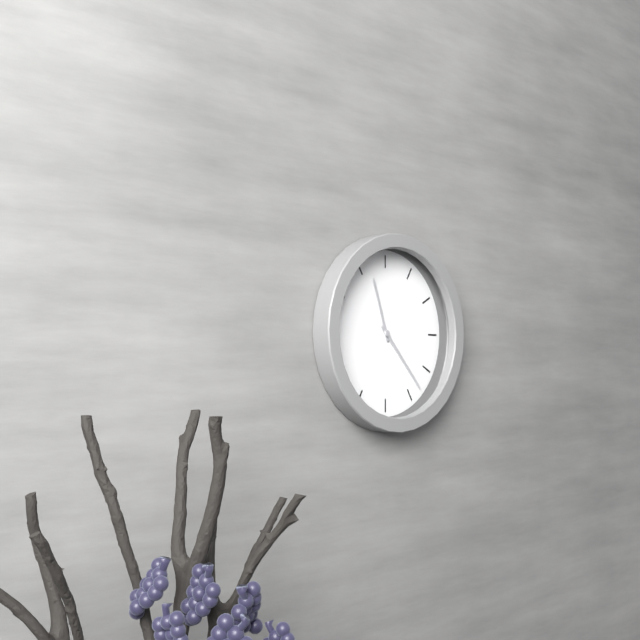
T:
11.23
